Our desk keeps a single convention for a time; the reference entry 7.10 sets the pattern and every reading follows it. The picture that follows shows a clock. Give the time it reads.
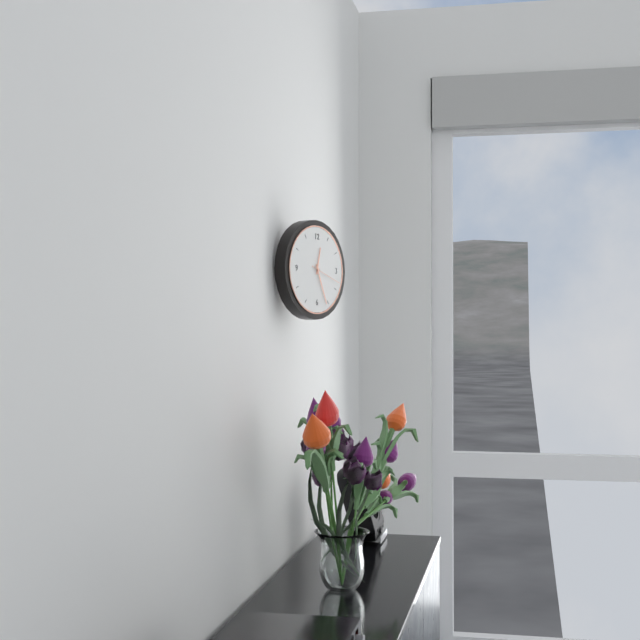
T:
12.26
